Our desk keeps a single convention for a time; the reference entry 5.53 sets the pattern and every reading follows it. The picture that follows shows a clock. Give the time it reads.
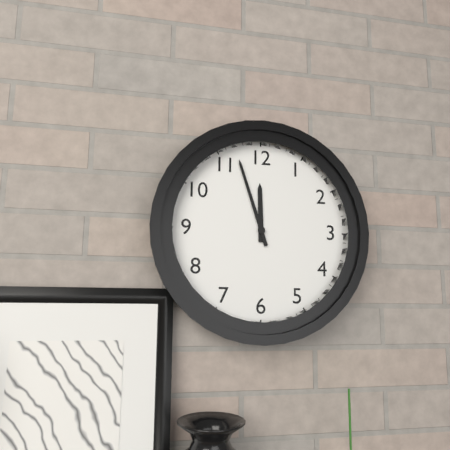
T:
11.57
